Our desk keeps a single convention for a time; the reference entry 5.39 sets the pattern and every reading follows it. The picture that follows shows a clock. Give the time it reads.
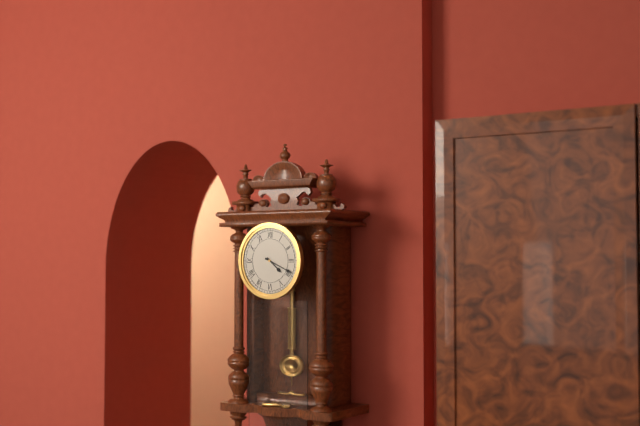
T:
4.19
